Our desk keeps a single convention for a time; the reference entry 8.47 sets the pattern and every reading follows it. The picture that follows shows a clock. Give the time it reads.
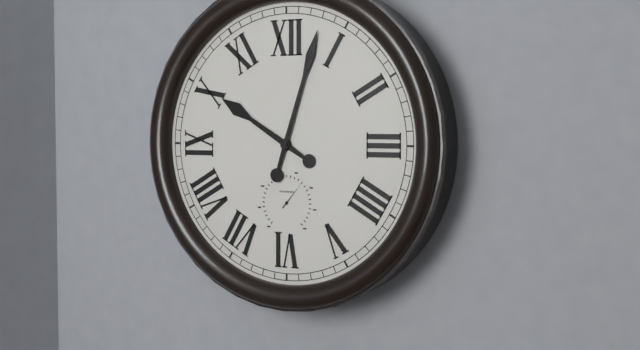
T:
10.03
